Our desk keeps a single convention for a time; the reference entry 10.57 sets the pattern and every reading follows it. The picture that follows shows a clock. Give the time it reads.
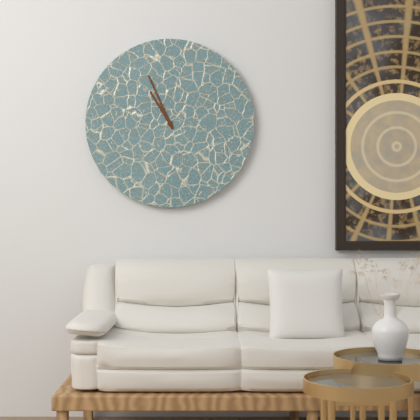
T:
10.56
